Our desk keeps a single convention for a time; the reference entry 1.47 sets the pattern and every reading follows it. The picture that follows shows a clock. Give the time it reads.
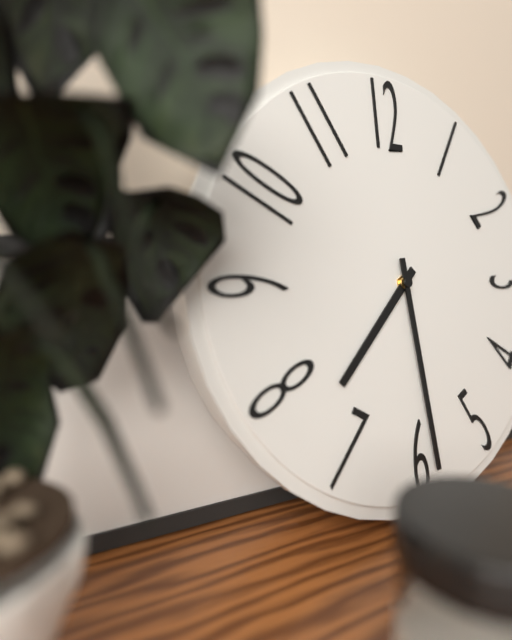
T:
7.29
